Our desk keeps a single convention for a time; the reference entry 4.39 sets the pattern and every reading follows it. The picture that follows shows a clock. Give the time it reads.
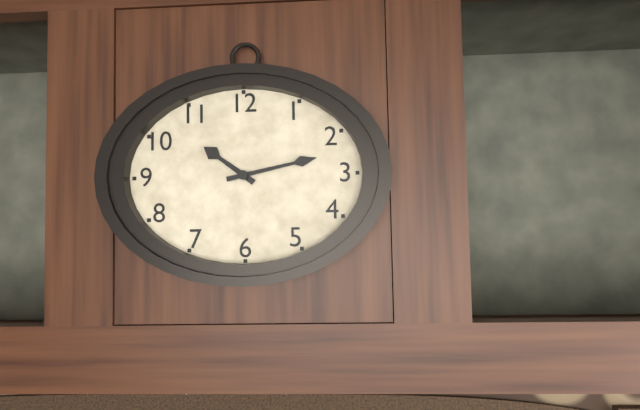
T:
10.13
